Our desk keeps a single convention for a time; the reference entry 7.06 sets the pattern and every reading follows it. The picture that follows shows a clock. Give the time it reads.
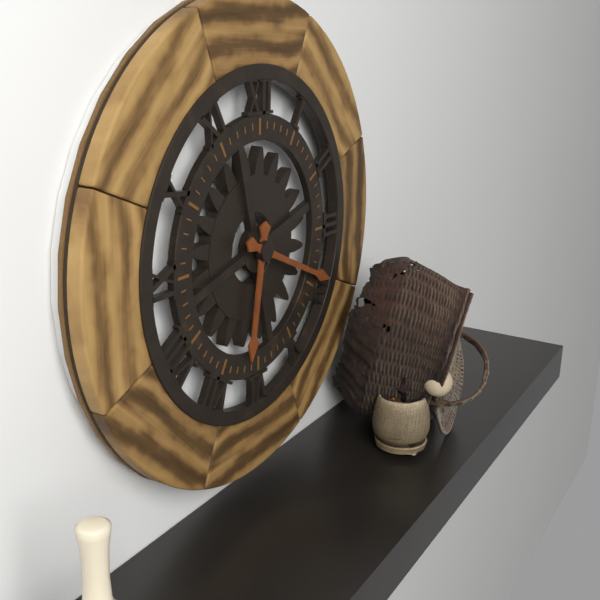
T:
6.19
